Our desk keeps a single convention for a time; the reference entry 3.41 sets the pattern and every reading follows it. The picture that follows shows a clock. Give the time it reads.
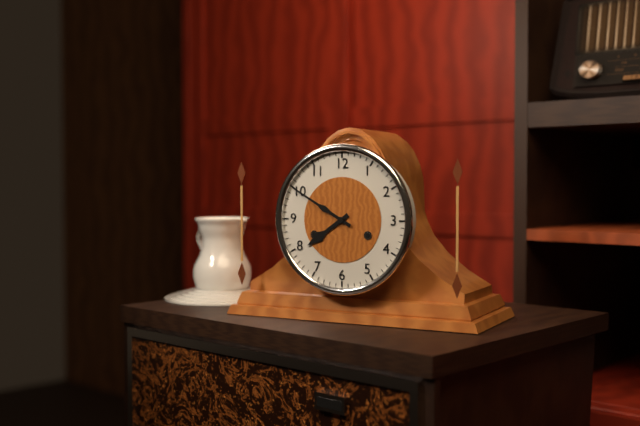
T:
7.50
